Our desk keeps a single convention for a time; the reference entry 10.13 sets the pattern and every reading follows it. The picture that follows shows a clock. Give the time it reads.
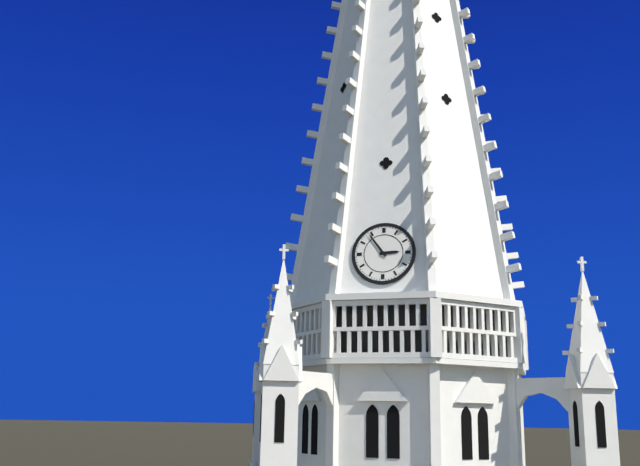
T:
2.54
